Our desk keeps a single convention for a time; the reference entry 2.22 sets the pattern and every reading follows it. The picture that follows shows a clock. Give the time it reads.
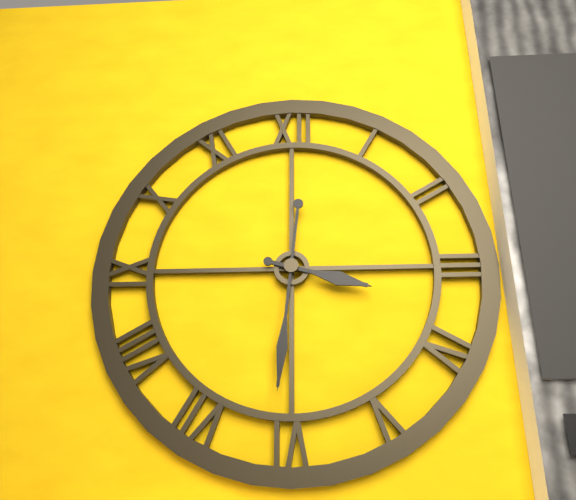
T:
3.31
